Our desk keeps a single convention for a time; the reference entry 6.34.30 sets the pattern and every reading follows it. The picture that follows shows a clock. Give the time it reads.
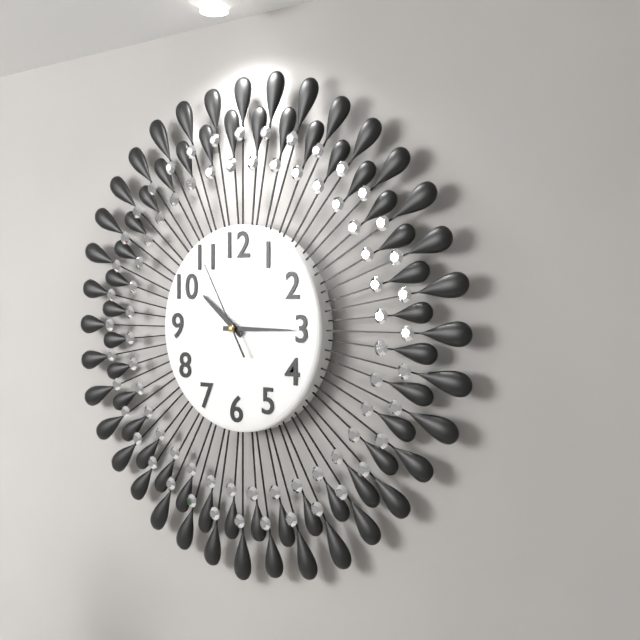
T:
10.15.55
